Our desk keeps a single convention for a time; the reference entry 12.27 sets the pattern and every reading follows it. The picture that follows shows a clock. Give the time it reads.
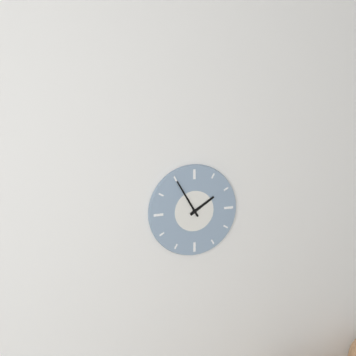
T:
1.55
